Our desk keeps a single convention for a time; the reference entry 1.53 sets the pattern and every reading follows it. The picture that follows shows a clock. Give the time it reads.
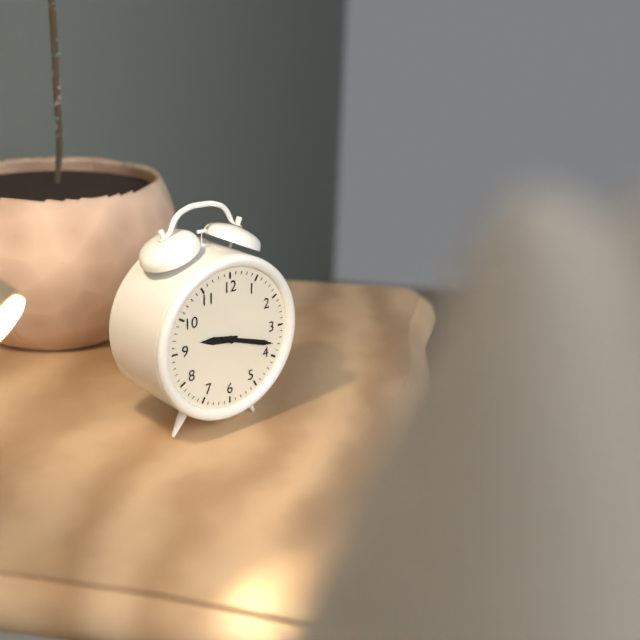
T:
9.18
